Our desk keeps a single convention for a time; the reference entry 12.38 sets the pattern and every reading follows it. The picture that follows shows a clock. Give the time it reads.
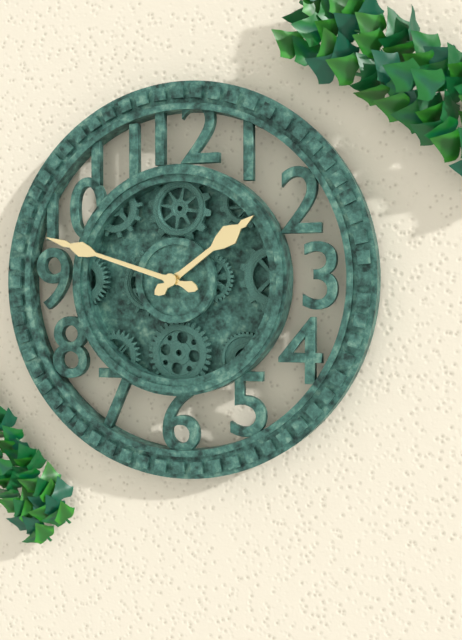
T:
1.48
